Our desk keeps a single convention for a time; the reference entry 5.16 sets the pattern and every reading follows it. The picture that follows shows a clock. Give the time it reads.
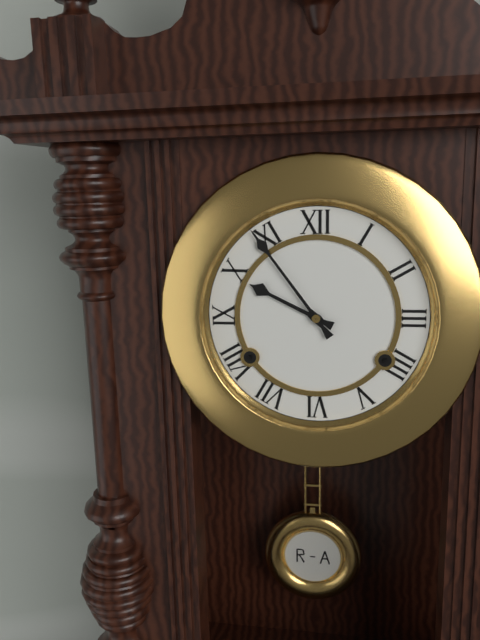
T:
9.54
